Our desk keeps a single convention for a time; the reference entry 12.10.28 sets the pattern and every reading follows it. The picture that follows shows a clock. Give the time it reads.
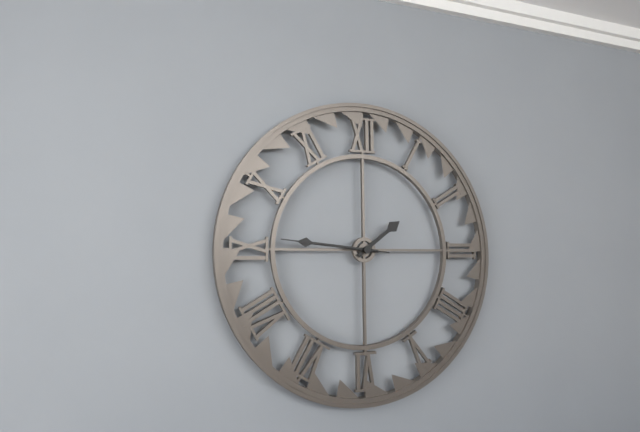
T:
1.46.46
